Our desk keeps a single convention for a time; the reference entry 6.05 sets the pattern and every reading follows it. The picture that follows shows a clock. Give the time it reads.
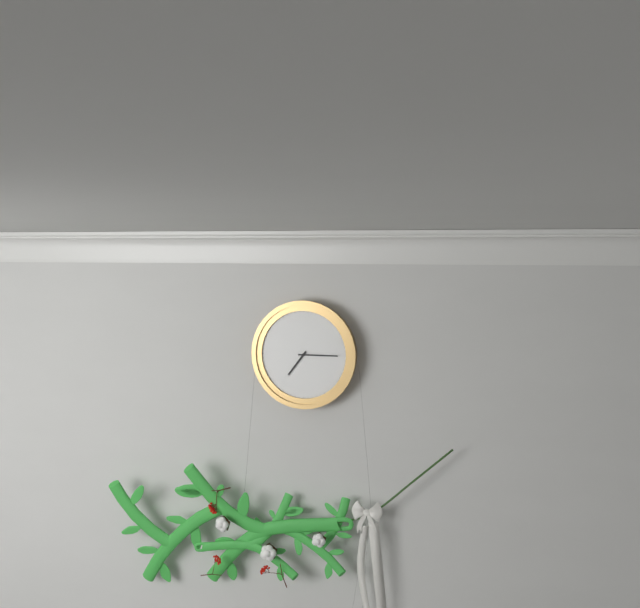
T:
7.15
